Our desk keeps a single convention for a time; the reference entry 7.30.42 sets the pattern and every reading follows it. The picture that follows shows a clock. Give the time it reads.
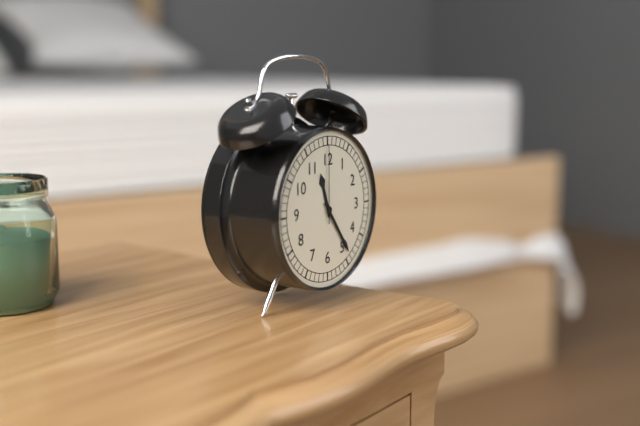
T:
11.24.00
